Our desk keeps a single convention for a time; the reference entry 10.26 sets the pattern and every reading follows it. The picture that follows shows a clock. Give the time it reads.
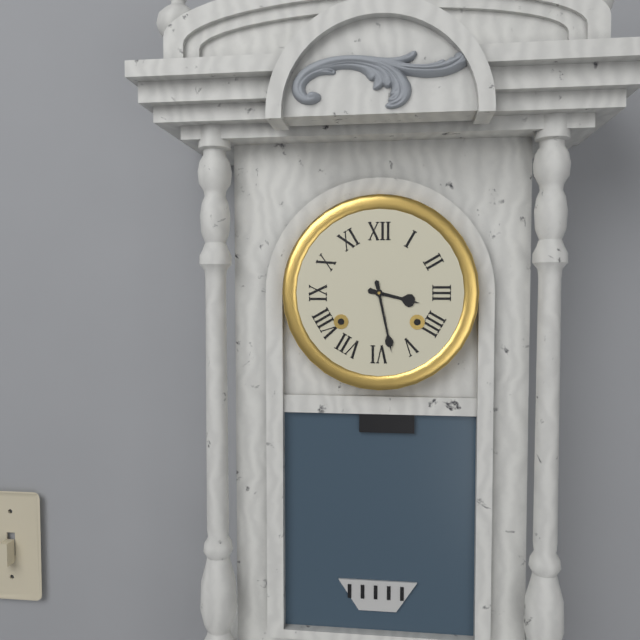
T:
3.28
